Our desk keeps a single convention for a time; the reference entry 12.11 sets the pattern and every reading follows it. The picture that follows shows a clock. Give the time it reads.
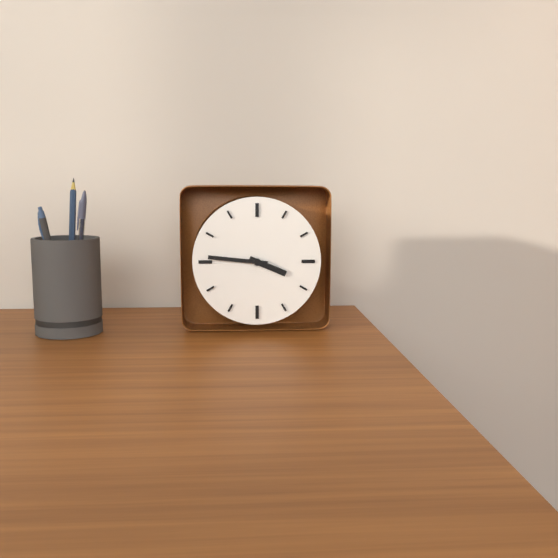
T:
3.46
